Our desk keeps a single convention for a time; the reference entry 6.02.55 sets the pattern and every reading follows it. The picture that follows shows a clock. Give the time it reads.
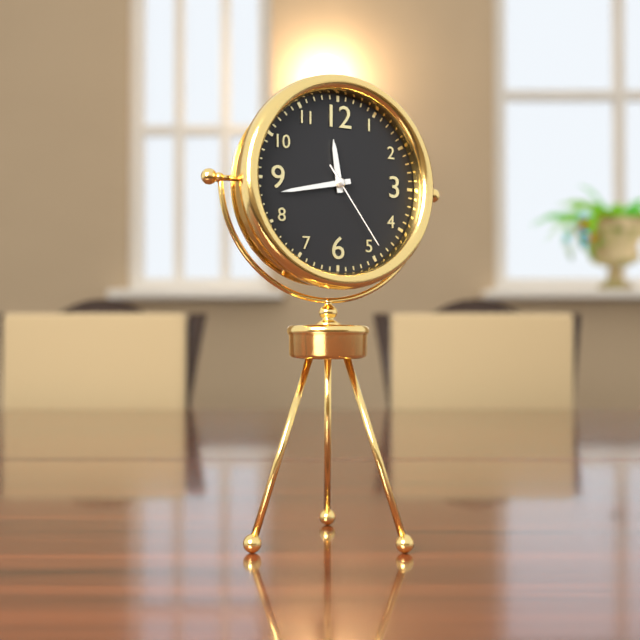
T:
11.43.24
